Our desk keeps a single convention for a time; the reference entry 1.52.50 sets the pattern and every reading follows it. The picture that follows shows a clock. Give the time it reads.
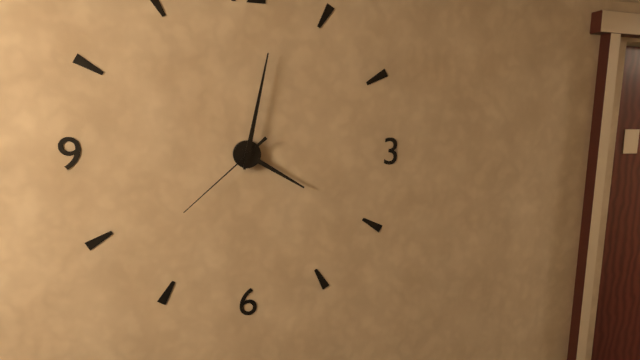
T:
4.02.38
